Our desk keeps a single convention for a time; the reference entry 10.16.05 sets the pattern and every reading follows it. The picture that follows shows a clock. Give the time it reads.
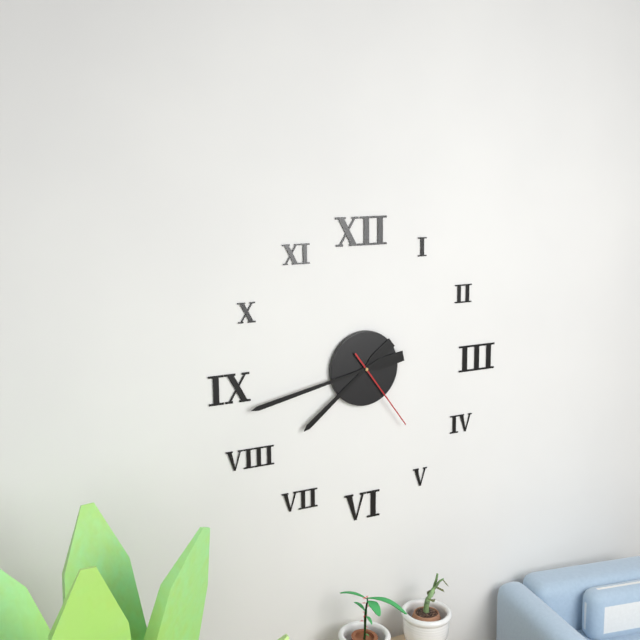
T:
7.43.24
